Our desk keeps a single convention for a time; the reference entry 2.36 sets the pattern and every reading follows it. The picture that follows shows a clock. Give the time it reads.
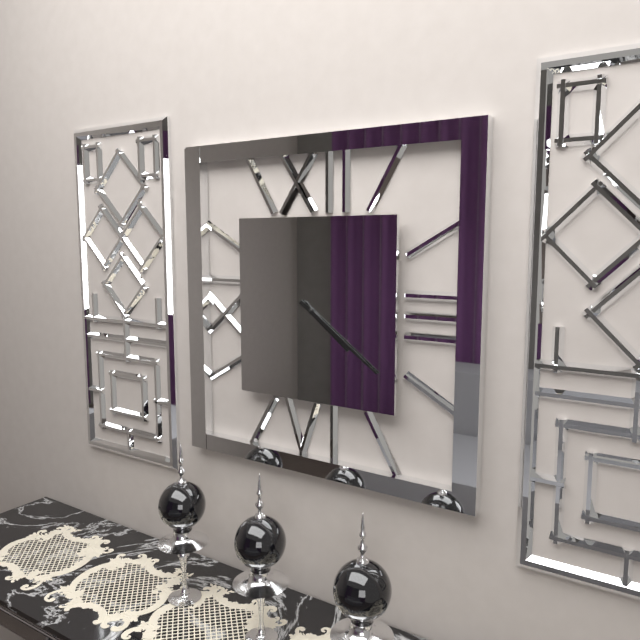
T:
4.21
